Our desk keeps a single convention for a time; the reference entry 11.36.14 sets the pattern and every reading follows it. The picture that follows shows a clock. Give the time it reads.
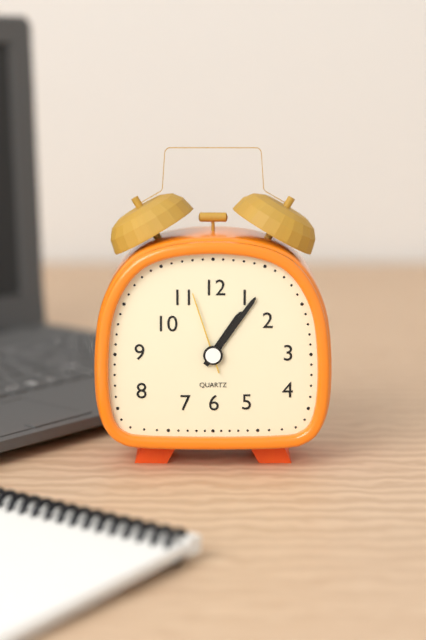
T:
1.06.57
